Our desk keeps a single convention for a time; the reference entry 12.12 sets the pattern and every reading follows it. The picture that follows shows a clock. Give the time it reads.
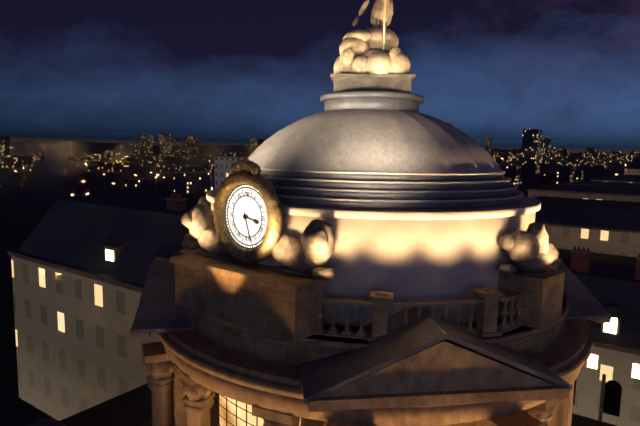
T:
3.27
